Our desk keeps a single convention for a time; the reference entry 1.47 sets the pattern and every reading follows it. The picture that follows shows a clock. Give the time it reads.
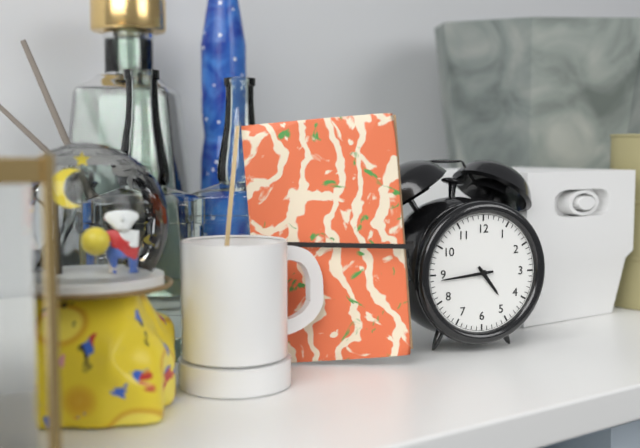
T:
4.44
